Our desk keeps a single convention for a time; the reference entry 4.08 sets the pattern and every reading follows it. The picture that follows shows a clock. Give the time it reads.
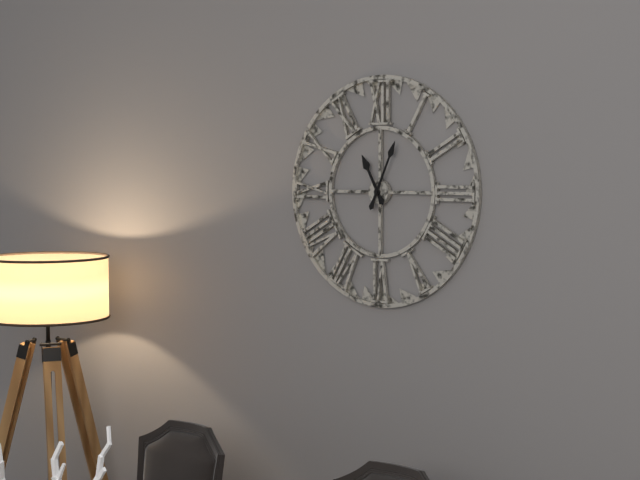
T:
11.04
